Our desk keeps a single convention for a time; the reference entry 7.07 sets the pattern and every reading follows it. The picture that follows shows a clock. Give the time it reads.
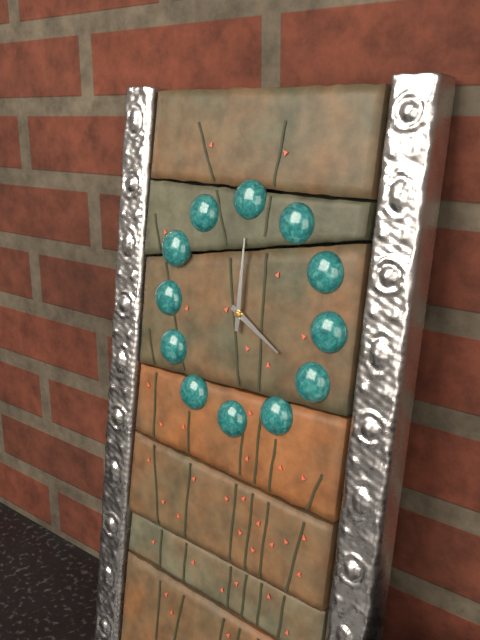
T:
4.00
